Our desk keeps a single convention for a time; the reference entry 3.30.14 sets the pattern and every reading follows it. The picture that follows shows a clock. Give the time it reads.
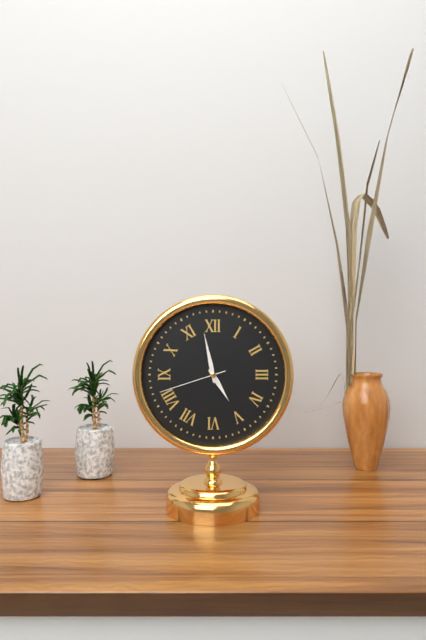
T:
4.58.42
